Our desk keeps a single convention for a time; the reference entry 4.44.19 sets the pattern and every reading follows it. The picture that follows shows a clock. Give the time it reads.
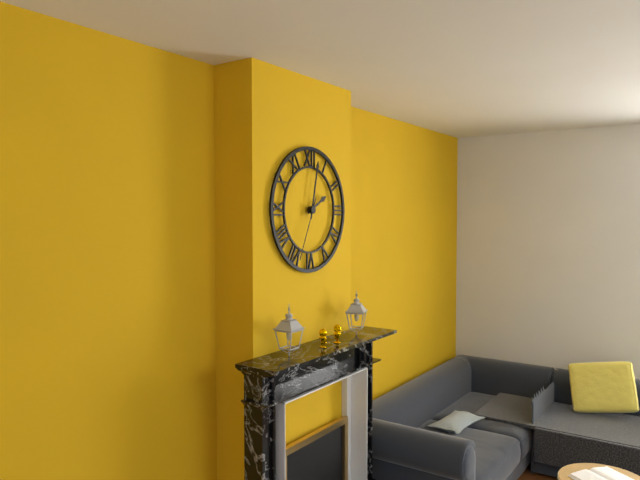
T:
2.02.34
